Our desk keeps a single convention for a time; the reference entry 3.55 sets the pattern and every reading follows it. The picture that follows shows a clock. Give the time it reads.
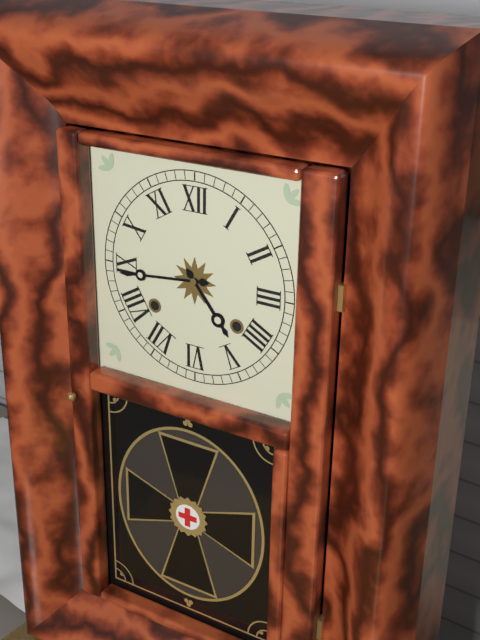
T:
4.44
